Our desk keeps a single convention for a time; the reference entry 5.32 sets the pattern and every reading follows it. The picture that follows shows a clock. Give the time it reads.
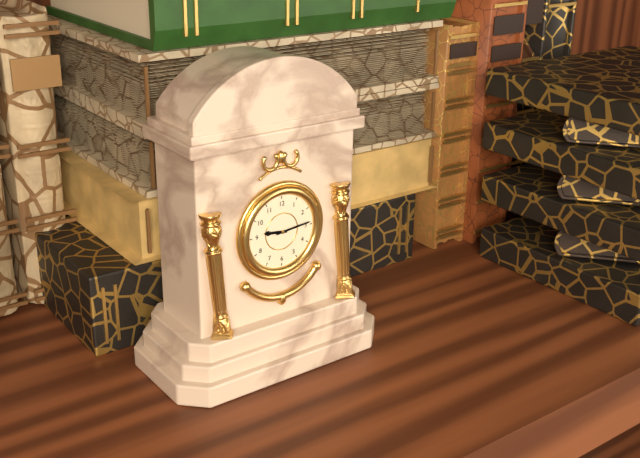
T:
9.14
